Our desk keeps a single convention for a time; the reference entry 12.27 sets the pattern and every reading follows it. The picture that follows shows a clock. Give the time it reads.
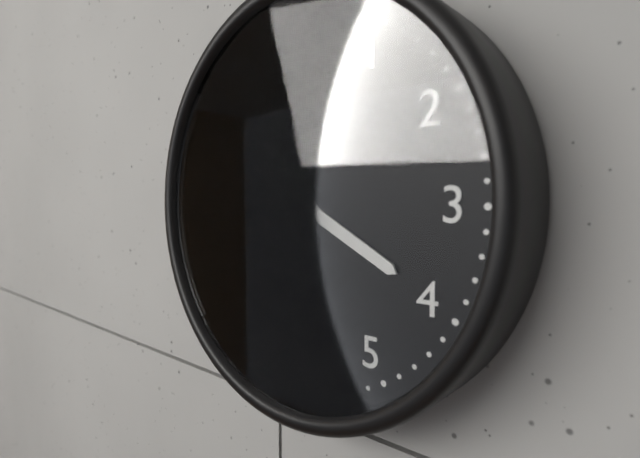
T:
3.57
